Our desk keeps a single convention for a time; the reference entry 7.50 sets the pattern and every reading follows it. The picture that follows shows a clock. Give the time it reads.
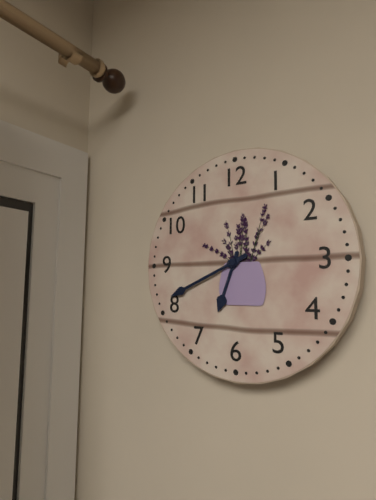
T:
6.41
